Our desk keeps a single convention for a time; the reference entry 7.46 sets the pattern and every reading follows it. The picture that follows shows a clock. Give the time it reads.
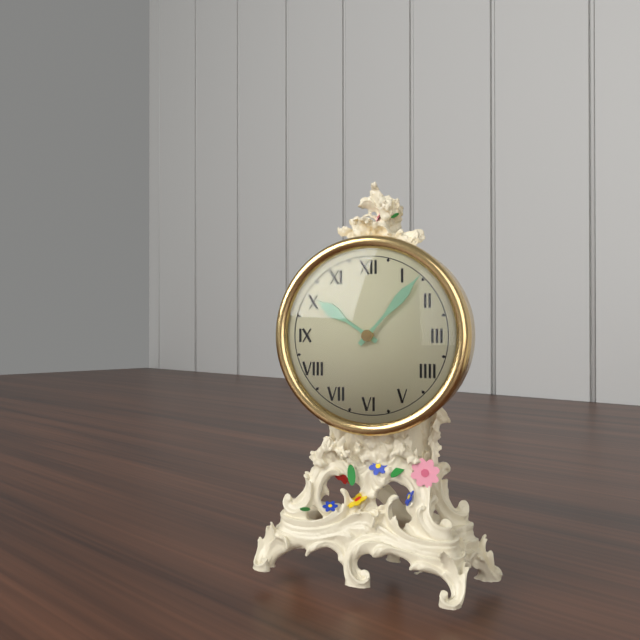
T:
10.07
